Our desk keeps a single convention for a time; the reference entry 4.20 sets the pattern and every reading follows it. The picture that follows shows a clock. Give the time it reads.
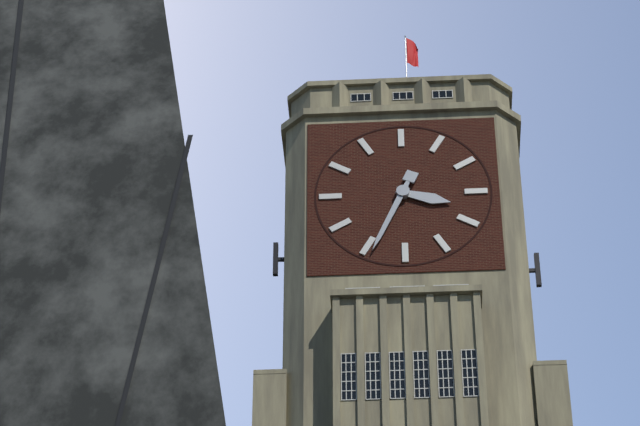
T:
3.34
